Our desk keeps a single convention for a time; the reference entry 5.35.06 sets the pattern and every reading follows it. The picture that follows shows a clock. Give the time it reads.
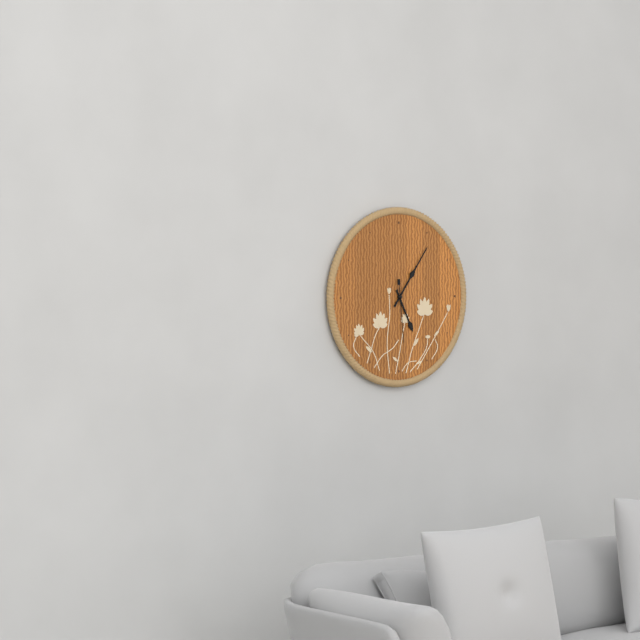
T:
5.06.29
